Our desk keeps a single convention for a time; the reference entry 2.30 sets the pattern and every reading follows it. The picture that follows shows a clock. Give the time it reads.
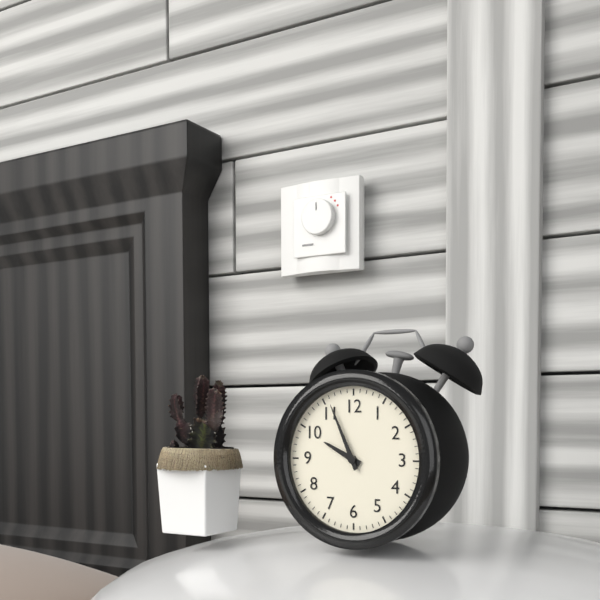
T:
9.56
